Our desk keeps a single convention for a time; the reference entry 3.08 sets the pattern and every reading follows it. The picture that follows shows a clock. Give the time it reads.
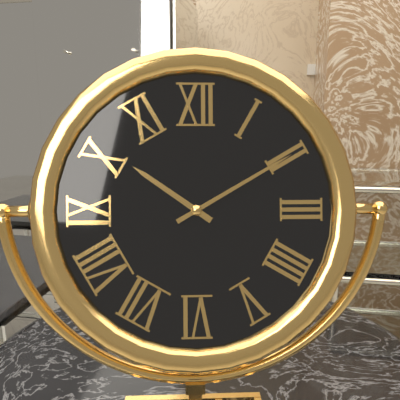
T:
10.10
